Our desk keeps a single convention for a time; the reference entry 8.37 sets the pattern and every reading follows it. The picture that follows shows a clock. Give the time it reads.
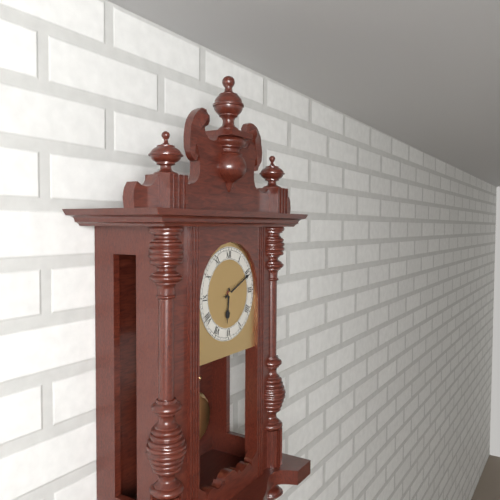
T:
6.11
